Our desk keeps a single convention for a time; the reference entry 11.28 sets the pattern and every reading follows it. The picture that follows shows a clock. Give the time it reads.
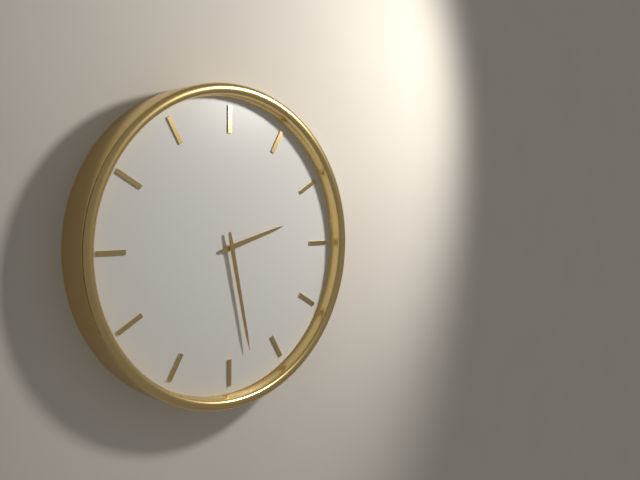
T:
2.28
